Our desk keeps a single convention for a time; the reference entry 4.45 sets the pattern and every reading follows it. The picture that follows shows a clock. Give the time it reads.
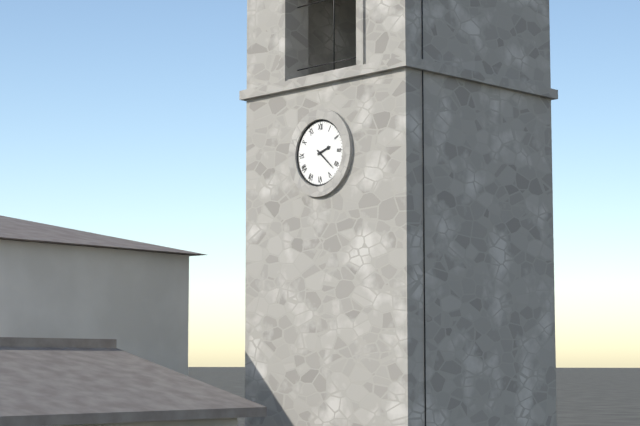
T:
2.22
